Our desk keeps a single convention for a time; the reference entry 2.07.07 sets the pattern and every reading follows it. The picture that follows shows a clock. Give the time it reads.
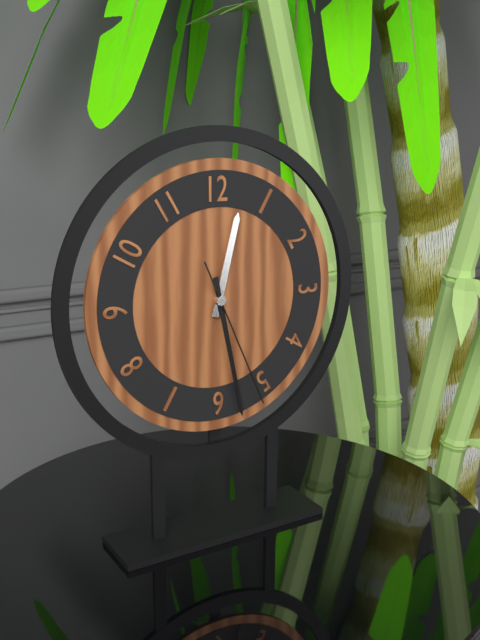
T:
12.28.26
